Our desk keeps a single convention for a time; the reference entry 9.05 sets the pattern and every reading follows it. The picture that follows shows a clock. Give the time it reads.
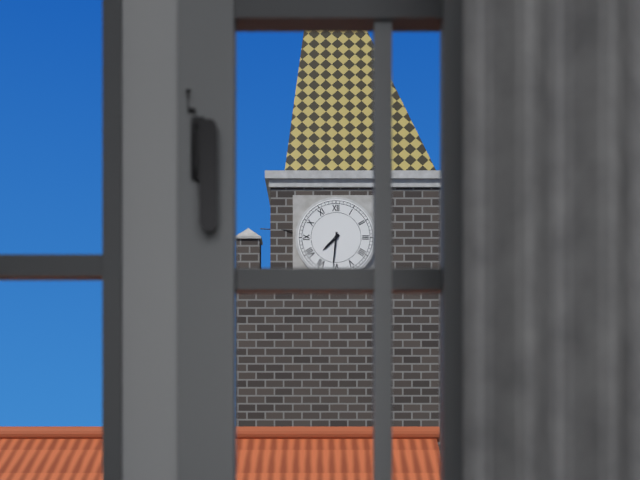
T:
7.31
